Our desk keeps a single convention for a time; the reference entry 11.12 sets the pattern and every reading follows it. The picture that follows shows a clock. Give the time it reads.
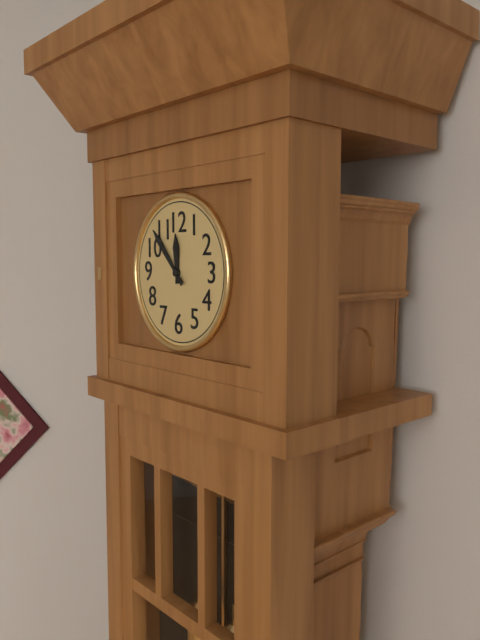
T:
11.53
